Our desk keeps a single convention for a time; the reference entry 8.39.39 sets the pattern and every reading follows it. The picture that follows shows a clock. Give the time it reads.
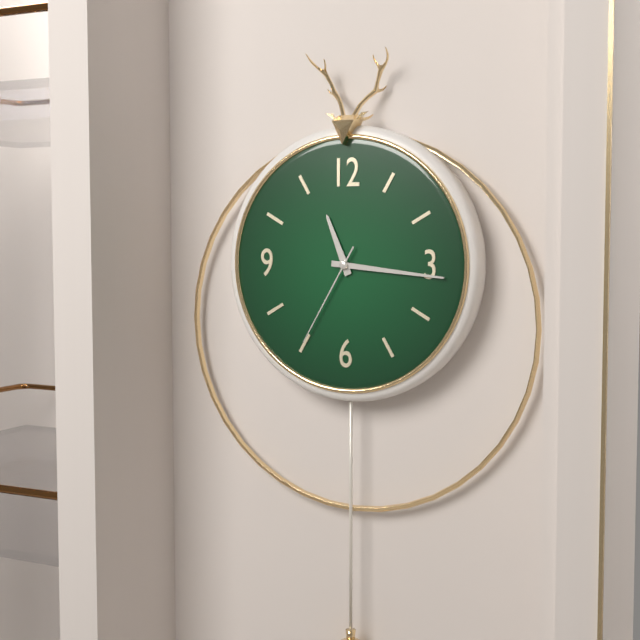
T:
11.16.35
